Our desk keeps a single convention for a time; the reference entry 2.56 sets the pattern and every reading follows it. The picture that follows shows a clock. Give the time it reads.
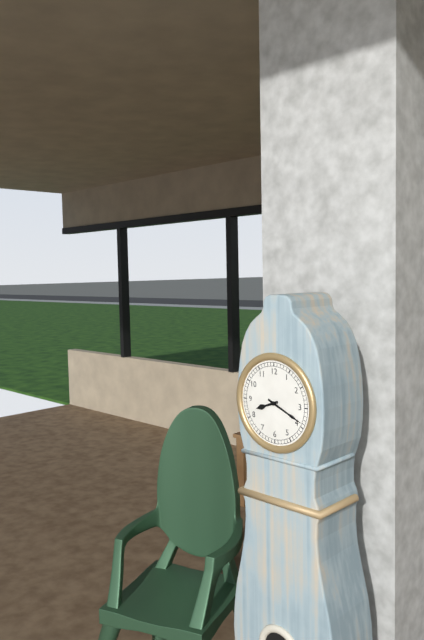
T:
8.19
